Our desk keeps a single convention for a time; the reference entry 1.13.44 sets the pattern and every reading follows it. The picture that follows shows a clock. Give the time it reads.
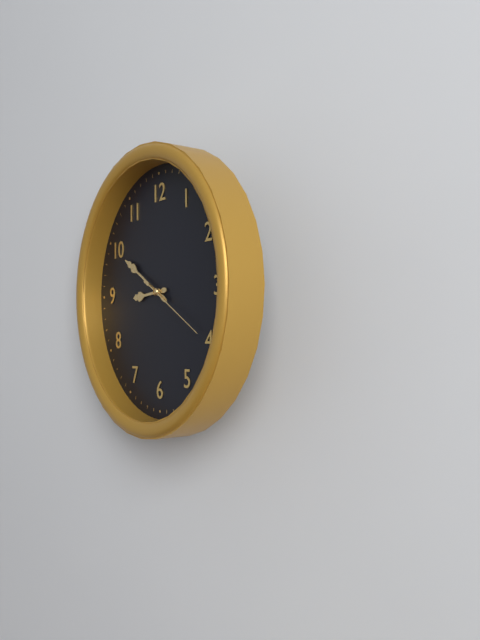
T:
8.50.20
